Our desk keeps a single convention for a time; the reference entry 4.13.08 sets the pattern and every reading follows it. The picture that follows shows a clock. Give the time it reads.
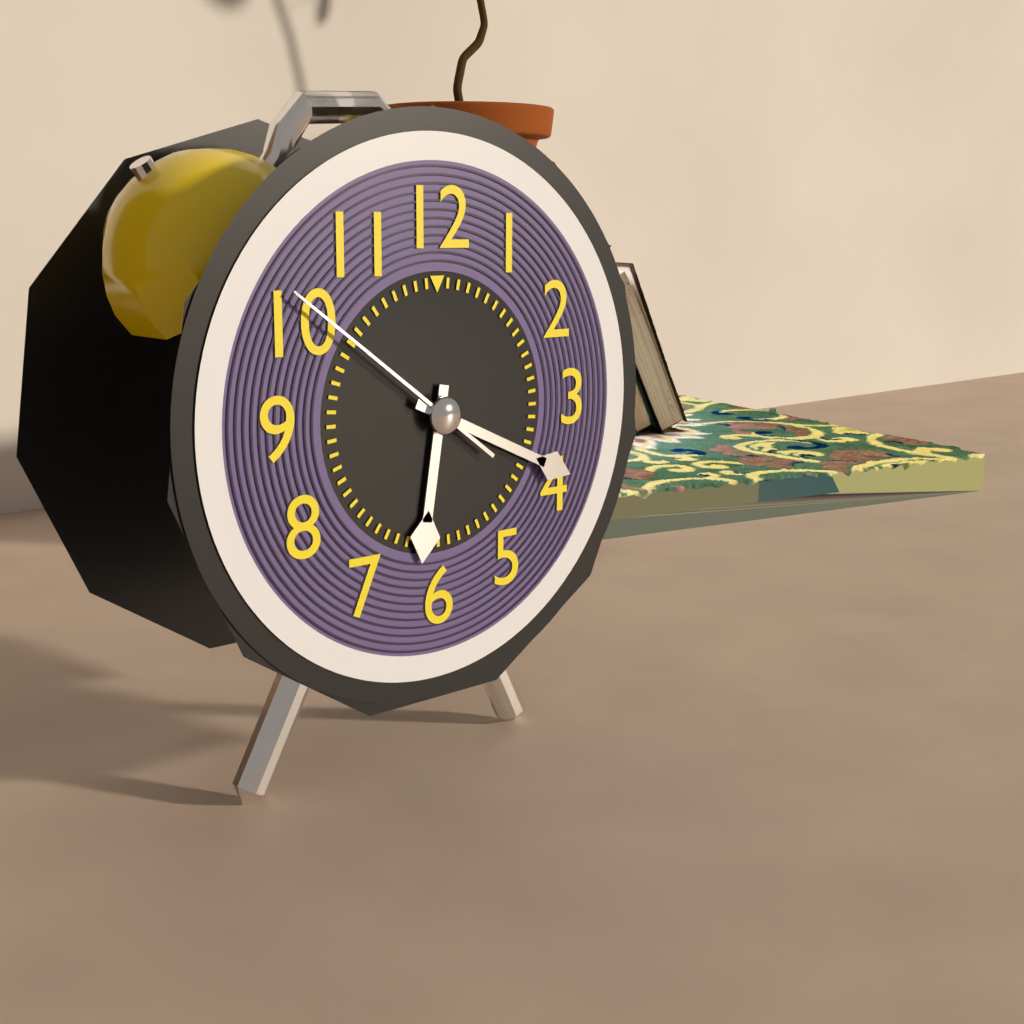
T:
6.19.51
